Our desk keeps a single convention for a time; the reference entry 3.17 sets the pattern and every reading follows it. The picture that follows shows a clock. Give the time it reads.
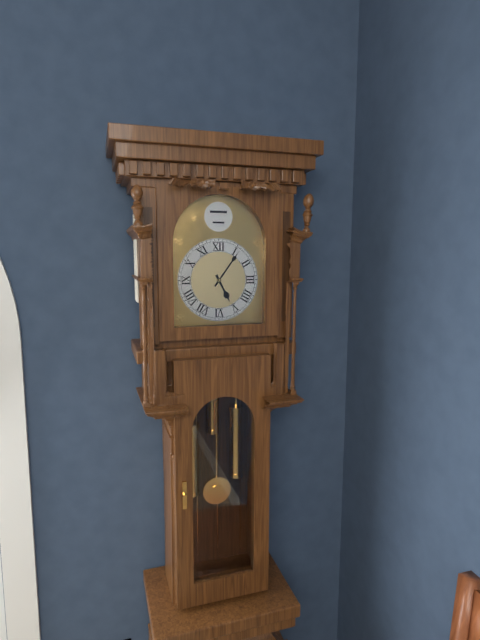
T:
5.06
